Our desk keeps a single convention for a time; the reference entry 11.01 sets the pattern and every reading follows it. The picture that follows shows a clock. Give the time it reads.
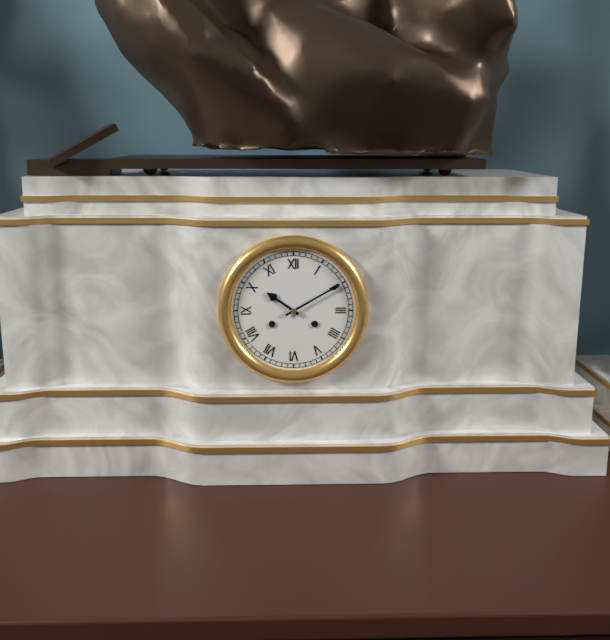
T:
10.10
